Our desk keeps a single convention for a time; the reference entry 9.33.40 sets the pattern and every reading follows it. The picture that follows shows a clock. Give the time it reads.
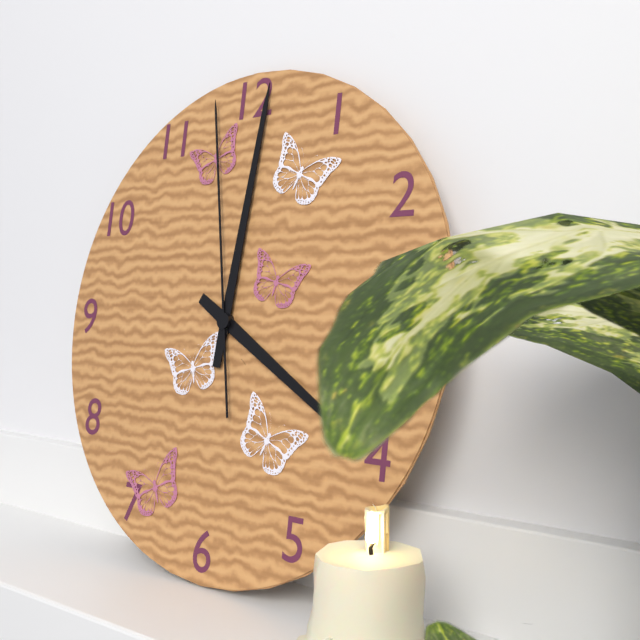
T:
4.01.58
